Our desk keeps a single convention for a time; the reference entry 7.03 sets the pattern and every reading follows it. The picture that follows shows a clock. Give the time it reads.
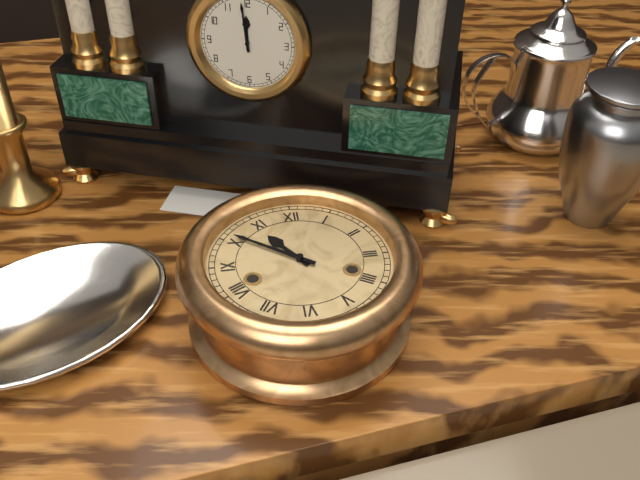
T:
10.51
